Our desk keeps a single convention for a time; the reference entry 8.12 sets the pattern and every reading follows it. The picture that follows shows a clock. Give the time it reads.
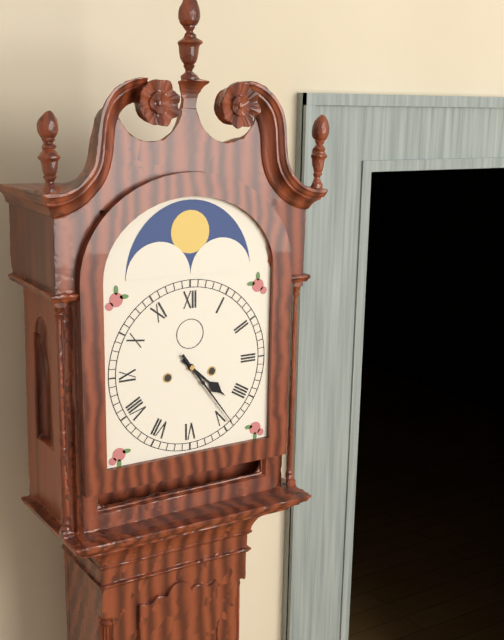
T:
4.24
